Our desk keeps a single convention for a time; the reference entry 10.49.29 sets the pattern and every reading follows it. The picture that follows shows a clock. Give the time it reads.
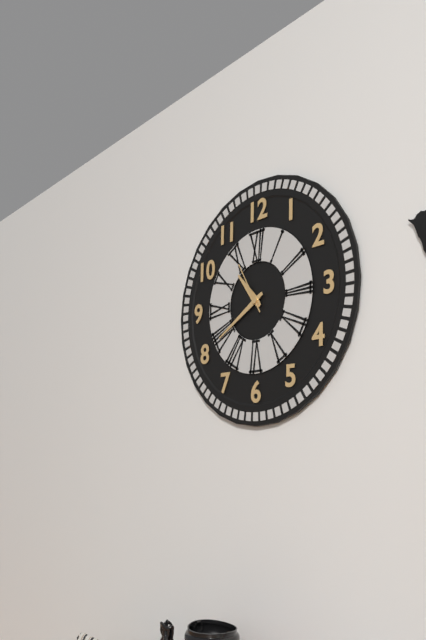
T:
10.40.55
